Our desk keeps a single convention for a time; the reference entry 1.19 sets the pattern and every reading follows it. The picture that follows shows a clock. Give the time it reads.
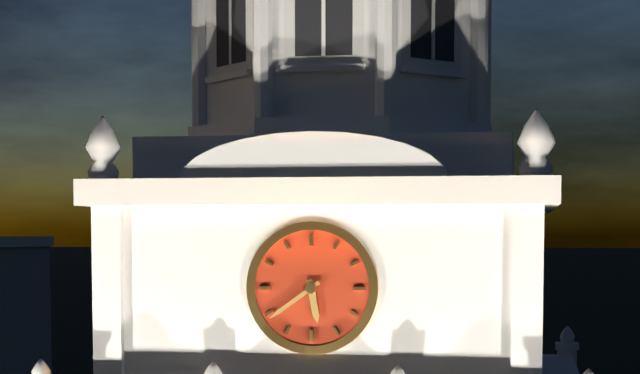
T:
5.39
